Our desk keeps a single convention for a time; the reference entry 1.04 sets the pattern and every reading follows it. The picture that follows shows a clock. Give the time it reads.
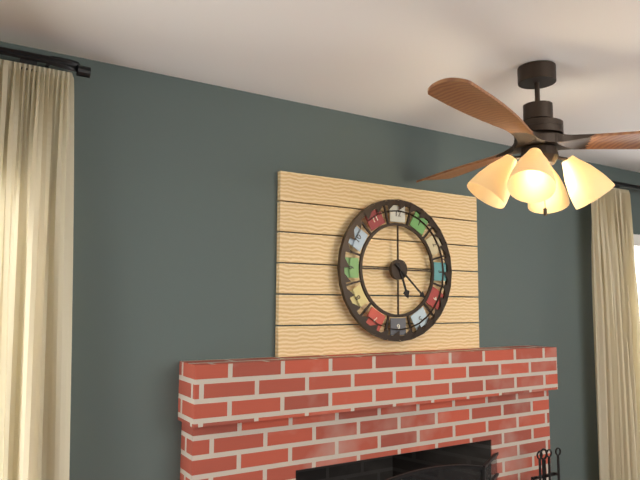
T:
5.22
